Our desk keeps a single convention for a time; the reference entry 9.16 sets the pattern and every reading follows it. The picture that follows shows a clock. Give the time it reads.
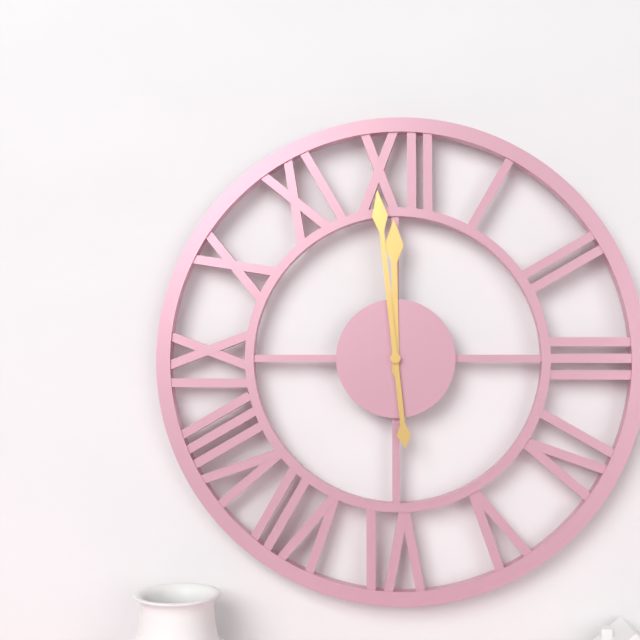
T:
11.59
